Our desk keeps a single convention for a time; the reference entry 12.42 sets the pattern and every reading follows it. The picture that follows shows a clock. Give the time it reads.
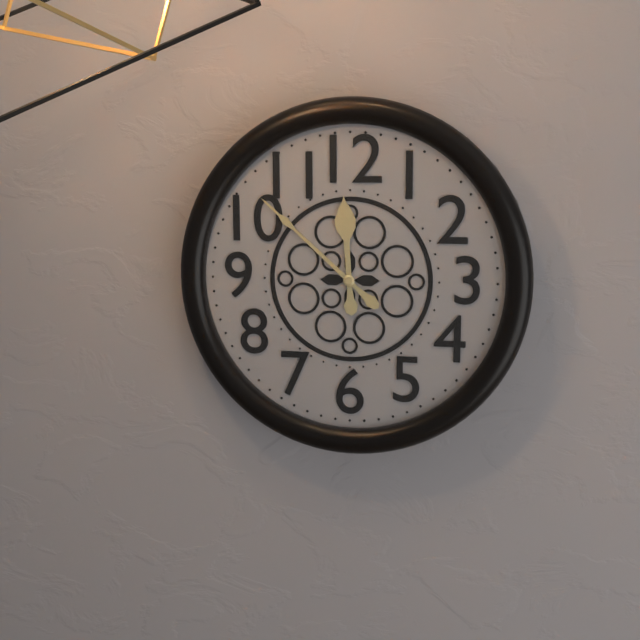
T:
11.52
